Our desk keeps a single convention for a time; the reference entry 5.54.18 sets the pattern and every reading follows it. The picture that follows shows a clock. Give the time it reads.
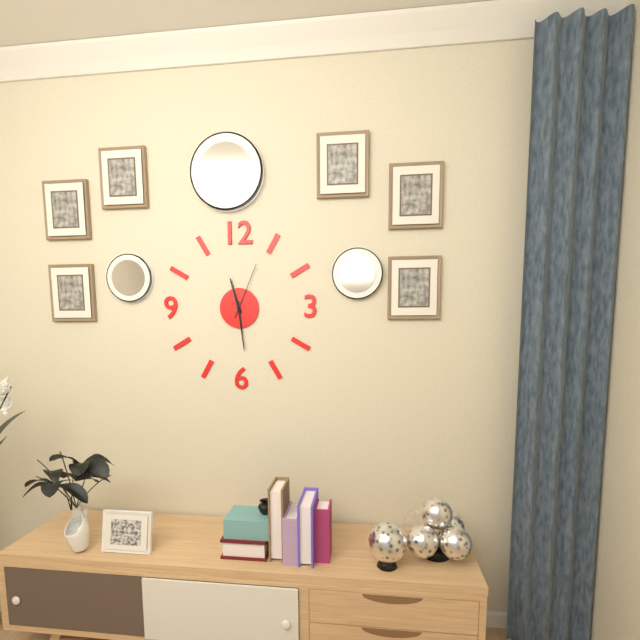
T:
11.29.04
